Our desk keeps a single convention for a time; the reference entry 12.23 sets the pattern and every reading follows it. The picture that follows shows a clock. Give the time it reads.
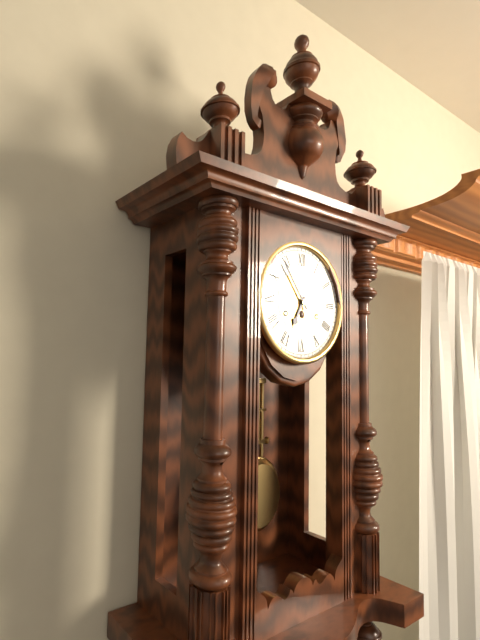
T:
6.54
